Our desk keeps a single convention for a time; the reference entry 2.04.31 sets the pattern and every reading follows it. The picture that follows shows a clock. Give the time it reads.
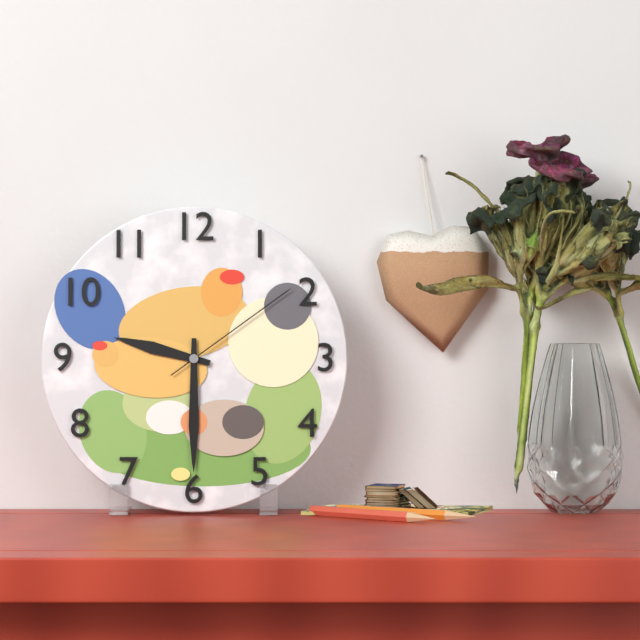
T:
9.30.09
